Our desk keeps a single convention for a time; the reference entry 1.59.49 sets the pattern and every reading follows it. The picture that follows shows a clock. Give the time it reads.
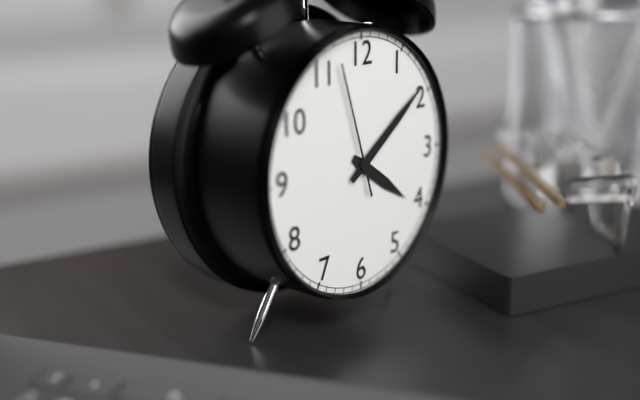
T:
4.09.57
